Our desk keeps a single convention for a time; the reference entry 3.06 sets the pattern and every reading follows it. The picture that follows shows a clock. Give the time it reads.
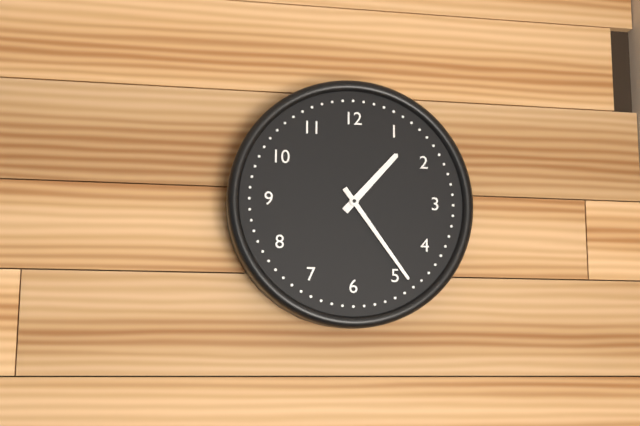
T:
1.24
